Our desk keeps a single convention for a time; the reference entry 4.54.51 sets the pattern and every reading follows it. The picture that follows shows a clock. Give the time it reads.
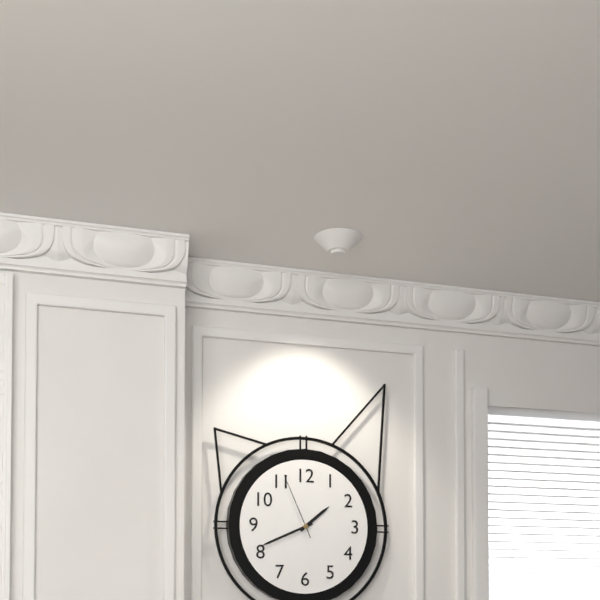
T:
1.41.56
